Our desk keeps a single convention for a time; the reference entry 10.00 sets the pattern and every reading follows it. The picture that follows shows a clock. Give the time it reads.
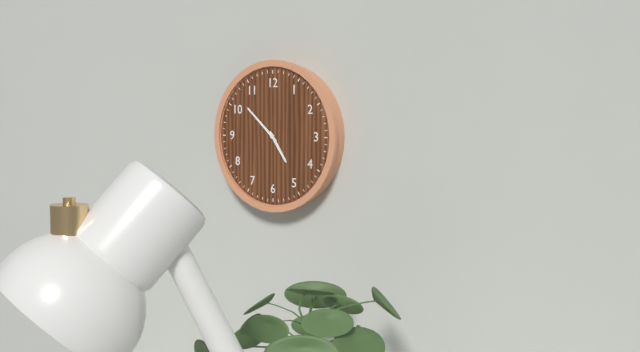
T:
4.52
